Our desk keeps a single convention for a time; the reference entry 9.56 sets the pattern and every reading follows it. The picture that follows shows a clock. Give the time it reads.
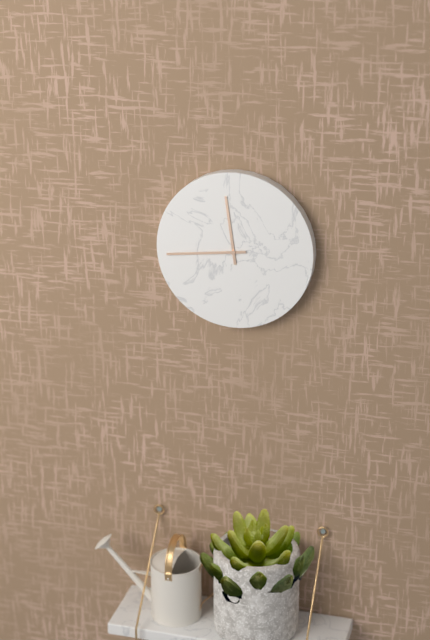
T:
11.44
